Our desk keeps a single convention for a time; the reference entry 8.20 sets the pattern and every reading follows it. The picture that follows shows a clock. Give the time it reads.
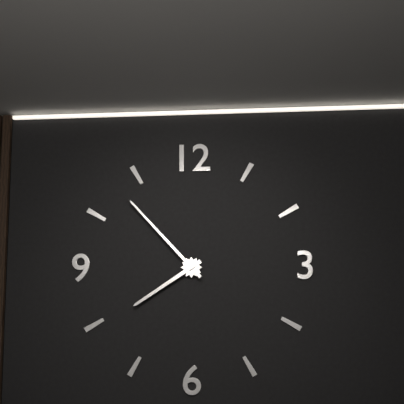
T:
7.53
